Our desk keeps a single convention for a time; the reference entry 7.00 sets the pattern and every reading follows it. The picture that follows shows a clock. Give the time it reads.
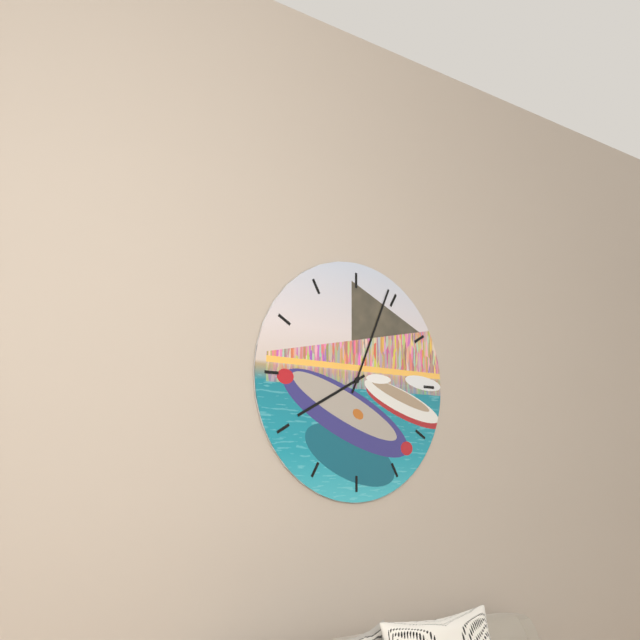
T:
8.04
